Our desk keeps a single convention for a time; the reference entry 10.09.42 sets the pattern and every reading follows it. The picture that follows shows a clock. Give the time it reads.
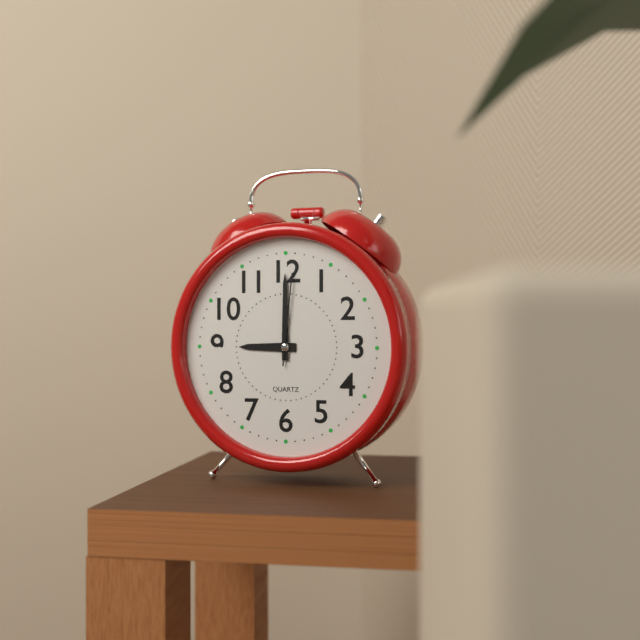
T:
9.00.01
